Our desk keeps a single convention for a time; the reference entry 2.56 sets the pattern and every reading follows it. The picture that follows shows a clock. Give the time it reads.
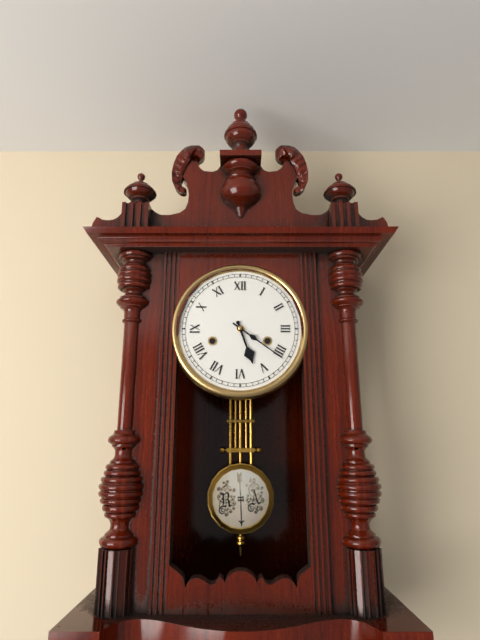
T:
5.21
